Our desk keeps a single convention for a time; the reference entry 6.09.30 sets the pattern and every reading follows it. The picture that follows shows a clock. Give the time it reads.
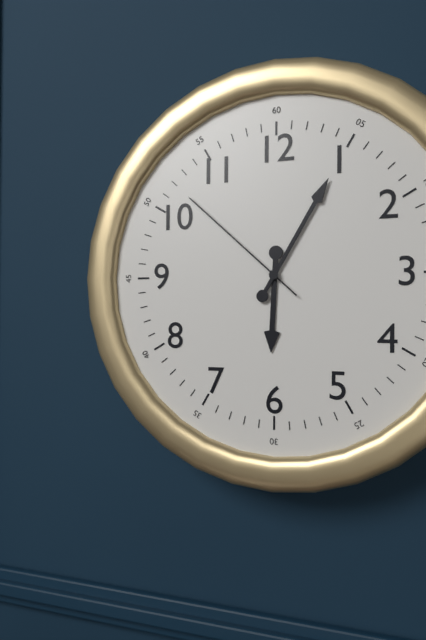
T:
6.05.52
